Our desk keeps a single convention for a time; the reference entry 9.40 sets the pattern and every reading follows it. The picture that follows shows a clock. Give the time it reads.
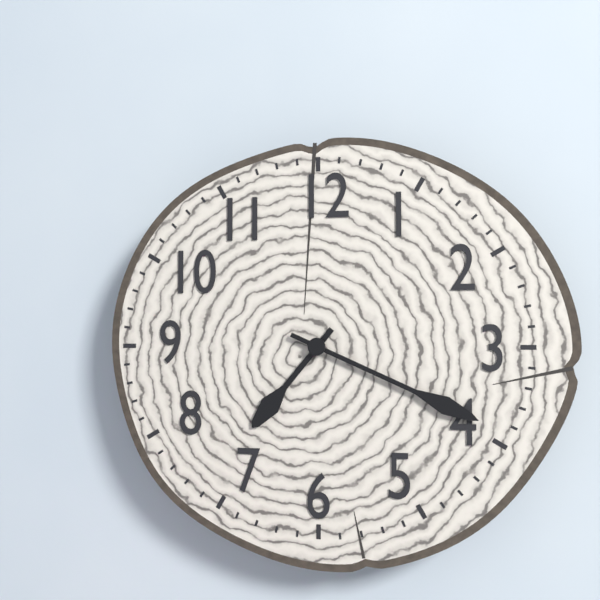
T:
7.19
